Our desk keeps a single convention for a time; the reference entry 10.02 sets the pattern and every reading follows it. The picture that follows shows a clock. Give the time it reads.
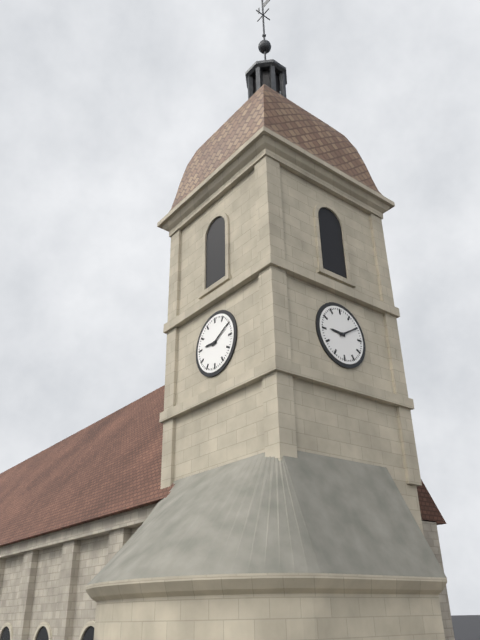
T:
9.10
